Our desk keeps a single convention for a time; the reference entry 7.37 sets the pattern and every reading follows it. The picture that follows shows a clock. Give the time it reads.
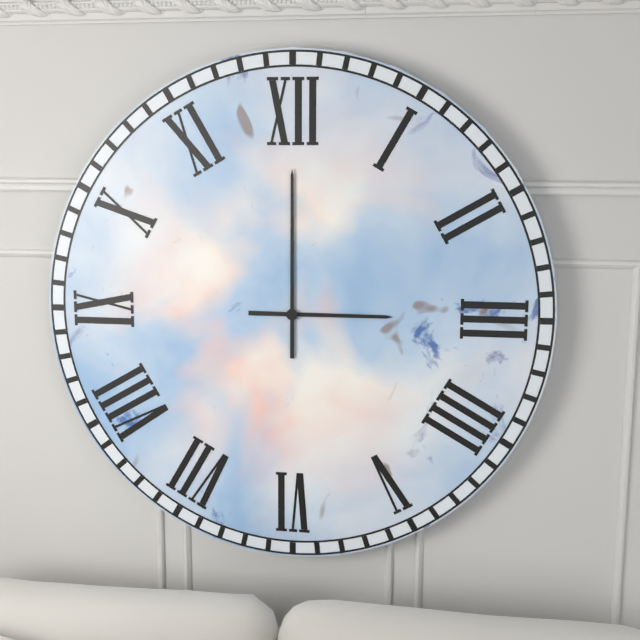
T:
3.00
